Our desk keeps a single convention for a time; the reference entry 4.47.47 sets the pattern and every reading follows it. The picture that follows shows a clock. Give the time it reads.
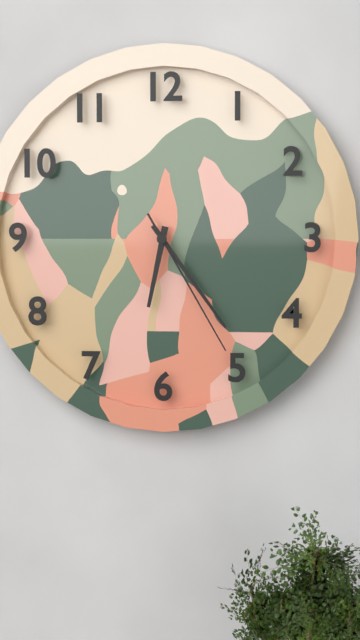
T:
6.24.25
